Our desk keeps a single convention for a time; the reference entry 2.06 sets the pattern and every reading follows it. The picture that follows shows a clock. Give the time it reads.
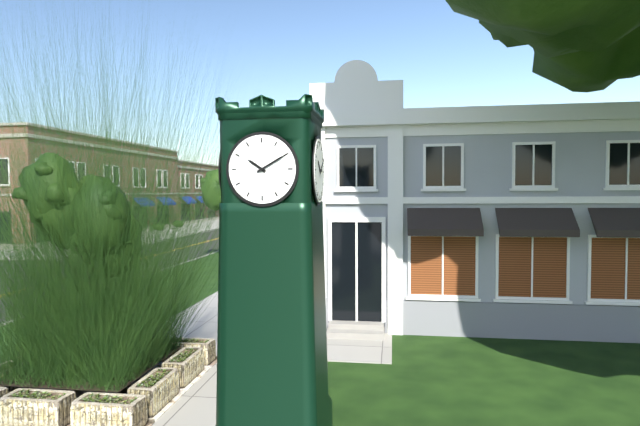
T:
10.10
